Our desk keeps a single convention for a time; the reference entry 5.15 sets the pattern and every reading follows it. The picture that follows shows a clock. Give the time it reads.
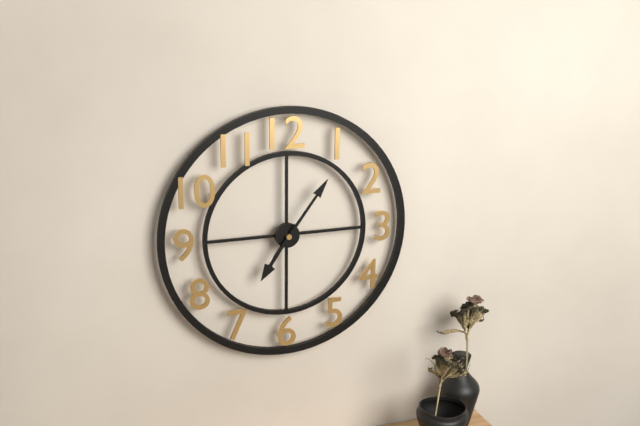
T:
7.06
